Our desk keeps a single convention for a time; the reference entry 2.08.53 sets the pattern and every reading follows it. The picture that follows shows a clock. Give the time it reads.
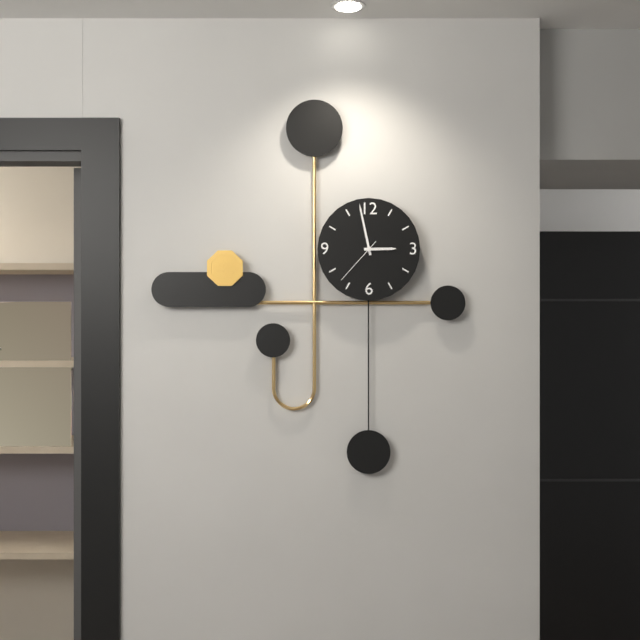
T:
2.58.37
